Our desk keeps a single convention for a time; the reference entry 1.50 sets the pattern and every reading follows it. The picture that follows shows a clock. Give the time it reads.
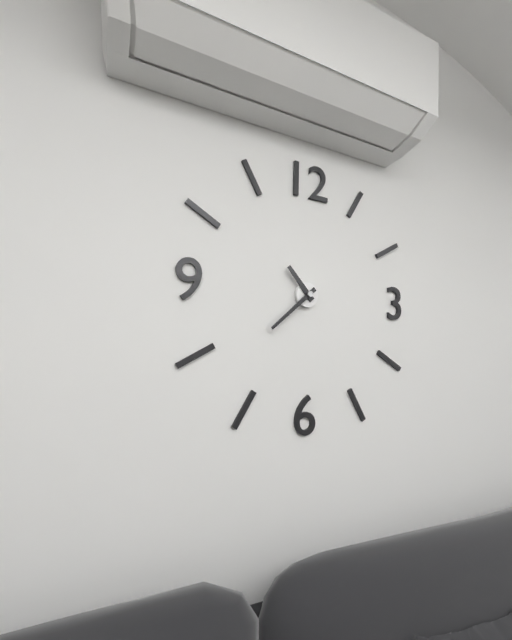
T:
10.38
